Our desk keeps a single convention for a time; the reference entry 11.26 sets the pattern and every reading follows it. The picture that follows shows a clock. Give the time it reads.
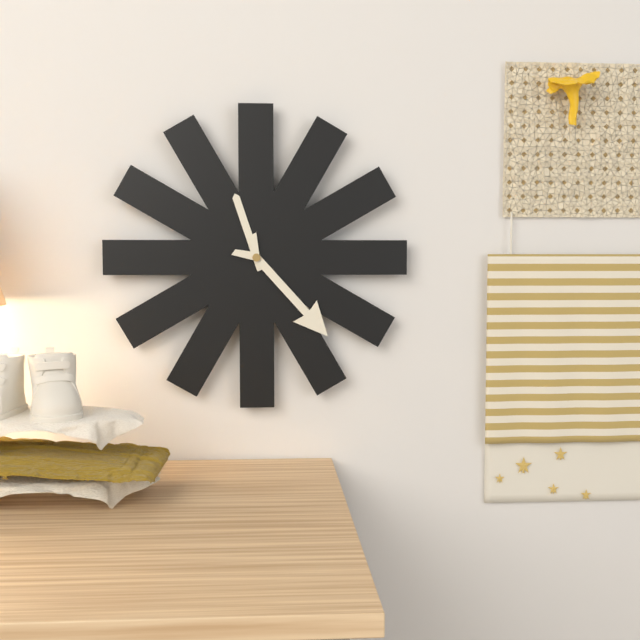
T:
11.23
